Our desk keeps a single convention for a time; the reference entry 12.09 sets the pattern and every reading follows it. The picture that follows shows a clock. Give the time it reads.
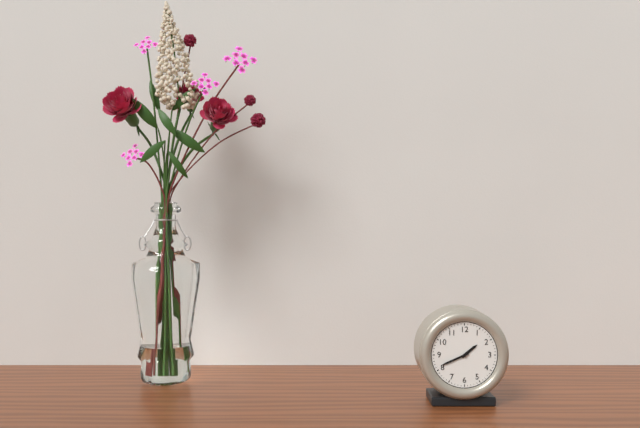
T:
1.41
